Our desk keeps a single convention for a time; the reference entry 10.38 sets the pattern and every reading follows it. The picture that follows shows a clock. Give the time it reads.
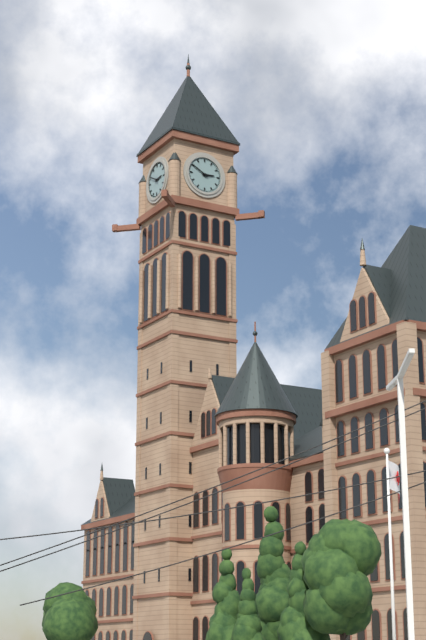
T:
2.50
